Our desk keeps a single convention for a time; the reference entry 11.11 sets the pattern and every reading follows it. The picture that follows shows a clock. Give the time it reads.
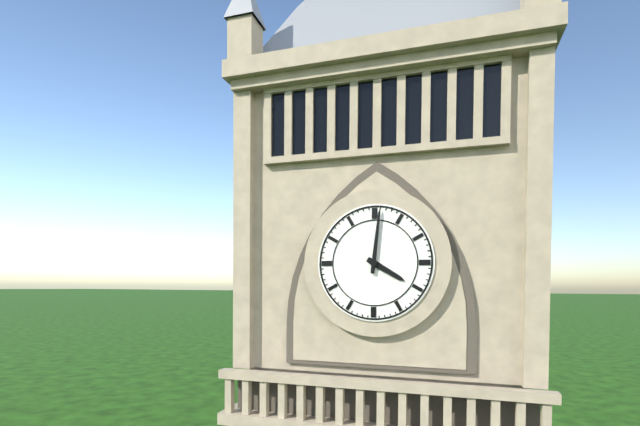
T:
4.01
